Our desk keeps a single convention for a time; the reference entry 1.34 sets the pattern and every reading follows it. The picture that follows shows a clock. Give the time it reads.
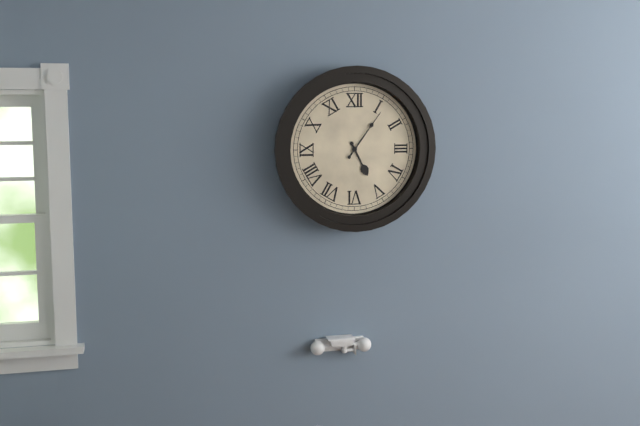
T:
5.06
